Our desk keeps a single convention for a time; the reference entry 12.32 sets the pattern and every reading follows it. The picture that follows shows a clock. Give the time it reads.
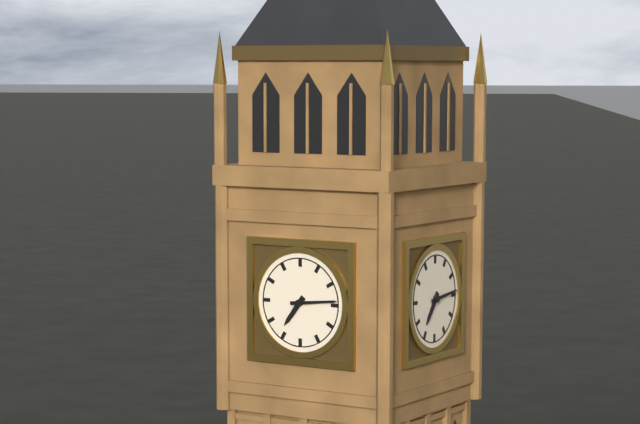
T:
7.14
